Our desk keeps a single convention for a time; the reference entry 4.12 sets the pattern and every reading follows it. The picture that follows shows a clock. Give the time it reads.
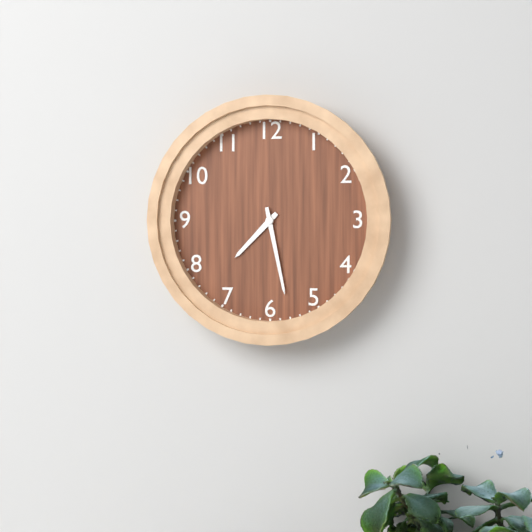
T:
7.28
